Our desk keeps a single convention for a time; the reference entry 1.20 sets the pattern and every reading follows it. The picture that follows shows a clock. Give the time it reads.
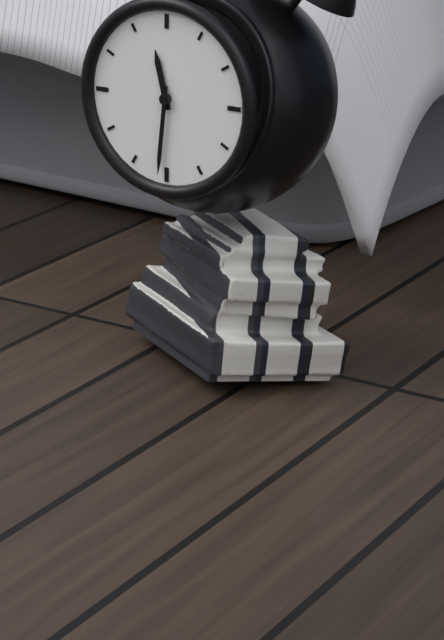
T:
11.31
